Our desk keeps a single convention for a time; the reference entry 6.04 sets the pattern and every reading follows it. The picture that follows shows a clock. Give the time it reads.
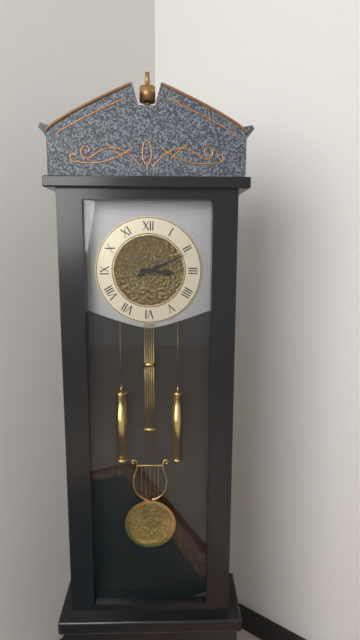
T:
3.11
